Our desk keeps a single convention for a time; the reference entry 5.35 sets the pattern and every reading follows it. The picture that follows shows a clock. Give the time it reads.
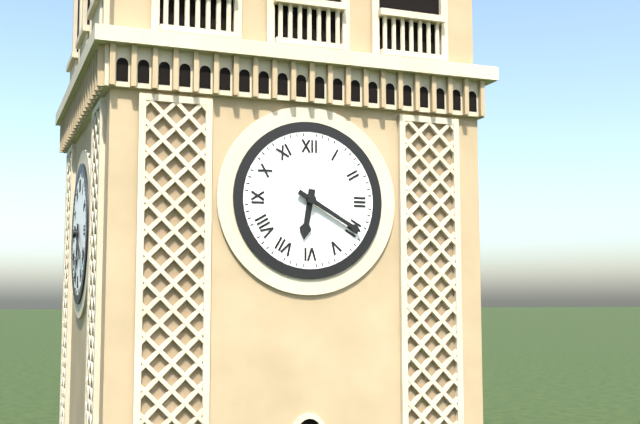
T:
6.20
